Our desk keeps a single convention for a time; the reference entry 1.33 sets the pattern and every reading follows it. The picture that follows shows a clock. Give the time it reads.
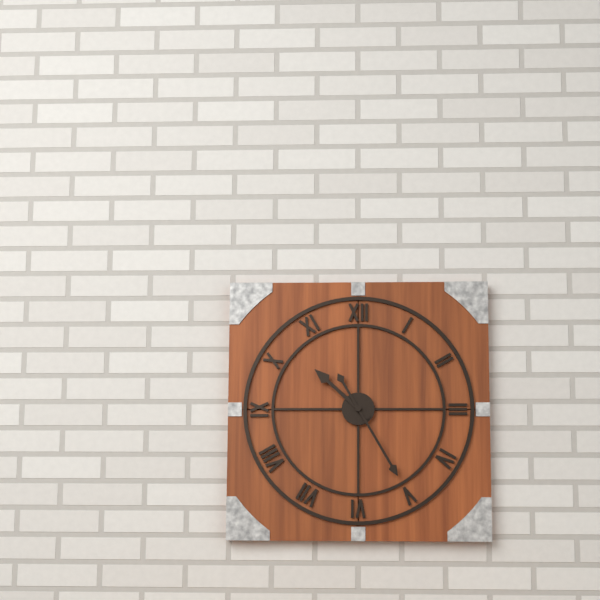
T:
10.25
